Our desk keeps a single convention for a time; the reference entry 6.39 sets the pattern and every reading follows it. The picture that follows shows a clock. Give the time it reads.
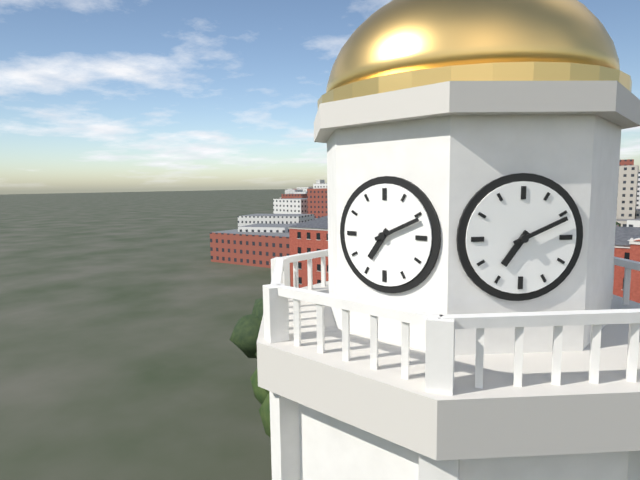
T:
7.11
